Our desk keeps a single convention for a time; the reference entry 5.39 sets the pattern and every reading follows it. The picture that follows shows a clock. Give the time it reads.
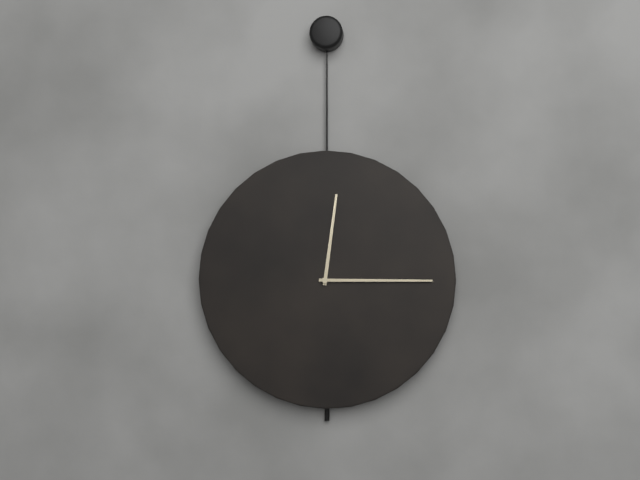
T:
12.15
